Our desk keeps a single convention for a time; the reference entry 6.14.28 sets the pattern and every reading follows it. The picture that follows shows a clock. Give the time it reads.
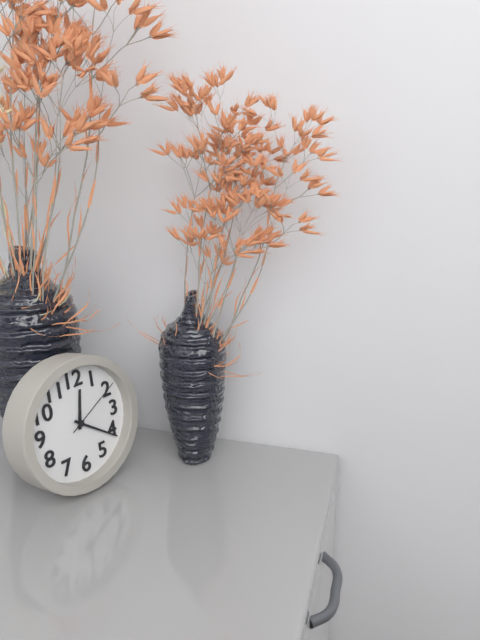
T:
12.21.10
